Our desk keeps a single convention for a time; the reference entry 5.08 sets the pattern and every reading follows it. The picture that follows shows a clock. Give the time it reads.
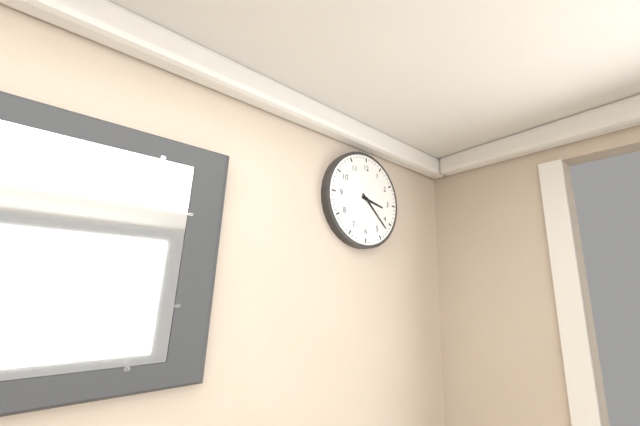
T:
3.22
